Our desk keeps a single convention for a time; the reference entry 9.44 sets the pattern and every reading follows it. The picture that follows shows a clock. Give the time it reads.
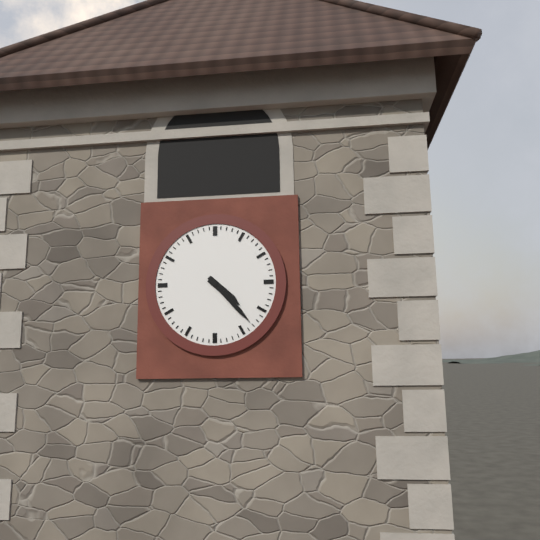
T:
4.23
